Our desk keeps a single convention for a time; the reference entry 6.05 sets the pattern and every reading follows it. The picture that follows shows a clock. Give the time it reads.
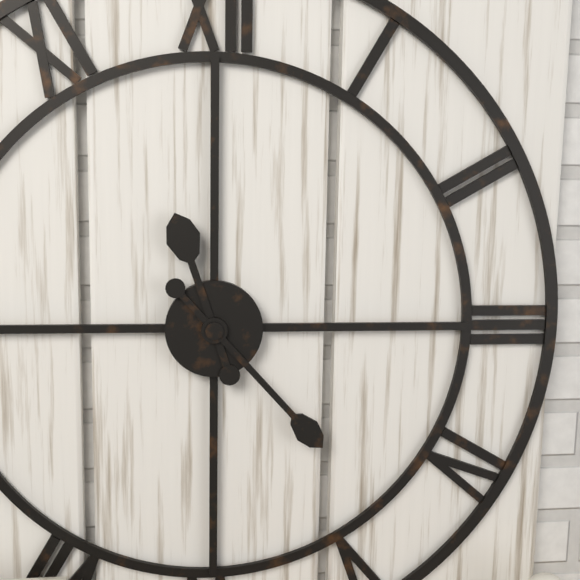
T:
11.23
